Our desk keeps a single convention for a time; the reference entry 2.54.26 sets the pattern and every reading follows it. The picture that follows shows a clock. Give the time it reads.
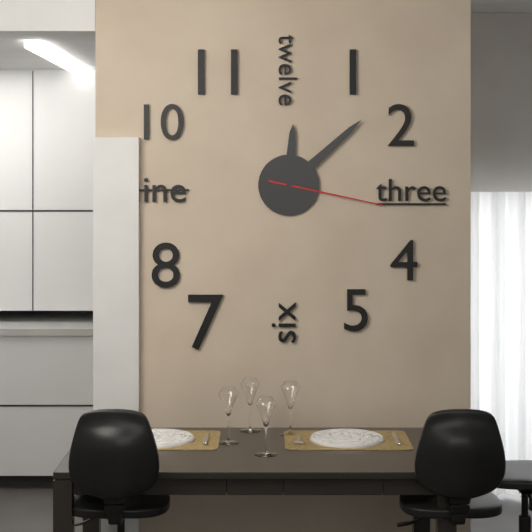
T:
12.08.17
